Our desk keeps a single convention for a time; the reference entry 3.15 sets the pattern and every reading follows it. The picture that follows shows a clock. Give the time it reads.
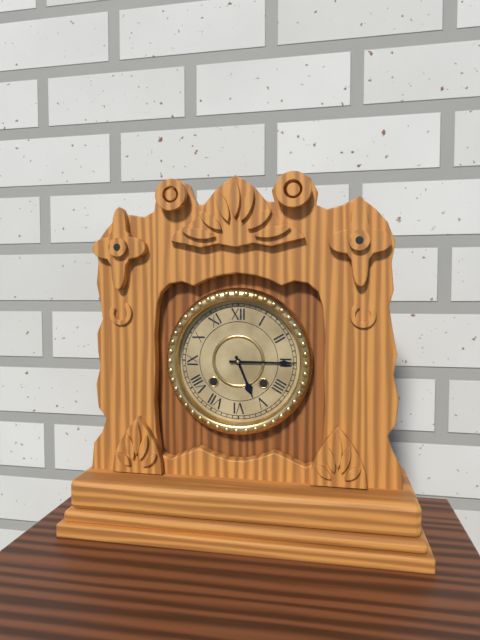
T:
5.15
